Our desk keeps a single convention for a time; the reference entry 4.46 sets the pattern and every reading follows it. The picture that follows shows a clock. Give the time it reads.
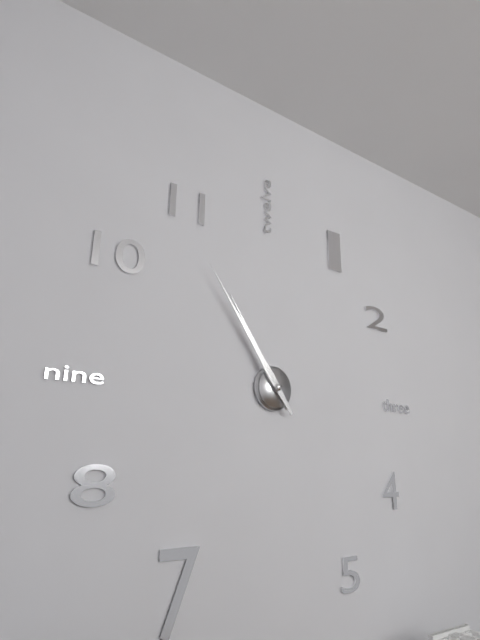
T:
10.54
